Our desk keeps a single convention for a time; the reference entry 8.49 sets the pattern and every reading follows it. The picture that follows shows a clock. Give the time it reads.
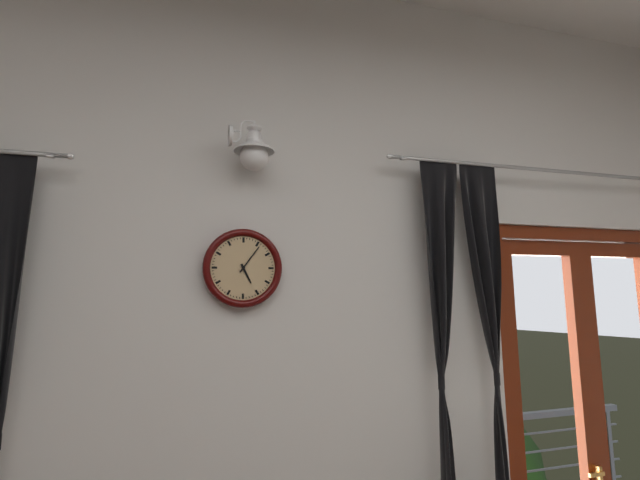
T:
5.06
